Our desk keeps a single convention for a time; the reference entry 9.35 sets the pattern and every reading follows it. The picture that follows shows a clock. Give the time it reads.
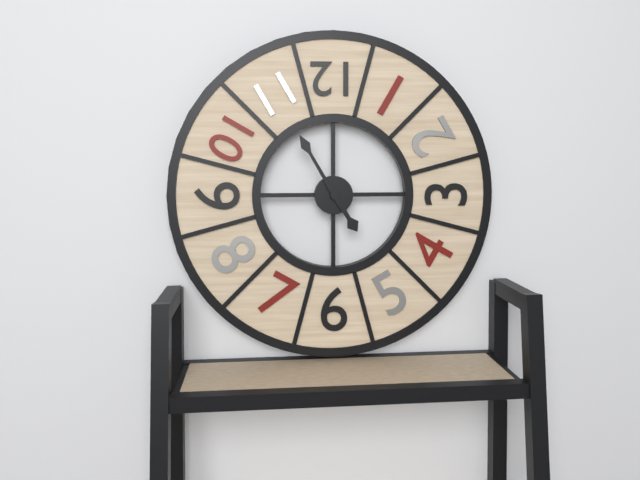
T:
4.55
